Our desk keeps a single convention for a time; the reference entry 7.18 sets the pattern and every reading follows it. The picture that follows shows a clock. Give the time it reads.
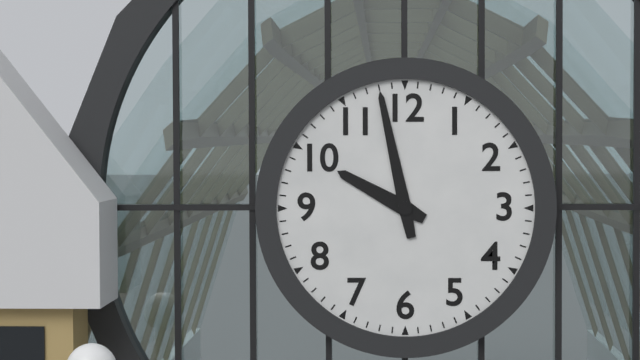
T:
9.58
